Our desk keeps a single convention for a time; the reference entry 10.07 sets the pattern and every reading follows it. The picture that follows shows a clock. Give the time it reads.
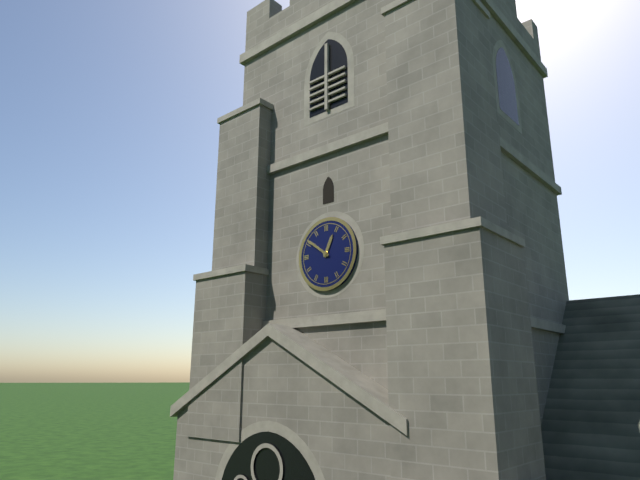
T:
12.51
